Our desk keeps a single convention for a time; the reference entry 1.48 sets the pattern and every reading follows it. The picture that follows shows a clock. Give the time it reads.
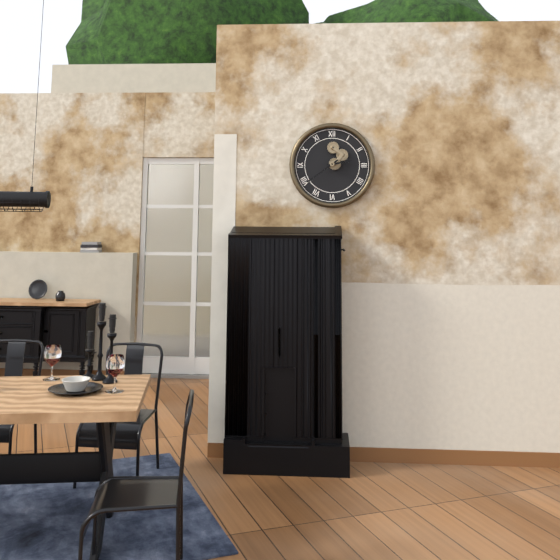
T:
2.39
